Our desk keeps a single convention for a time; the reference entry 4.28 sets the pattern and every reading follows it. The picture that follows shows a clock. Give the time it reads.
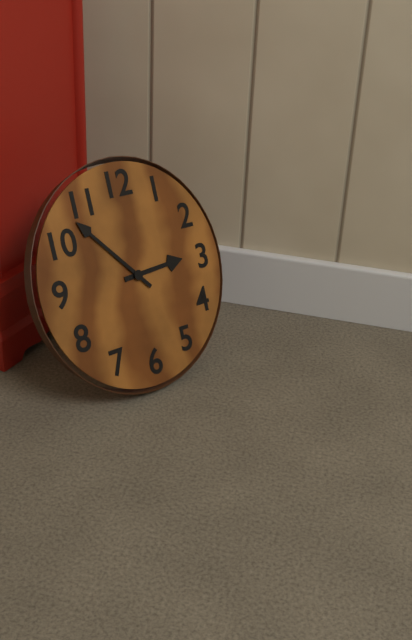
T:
2.53
